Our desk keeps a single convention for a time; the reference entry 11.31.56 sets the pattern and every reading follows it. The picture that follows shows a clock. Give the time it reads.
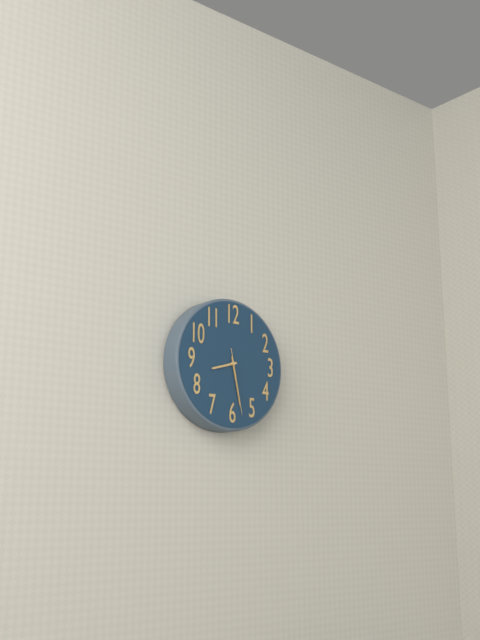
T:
8.28.28
